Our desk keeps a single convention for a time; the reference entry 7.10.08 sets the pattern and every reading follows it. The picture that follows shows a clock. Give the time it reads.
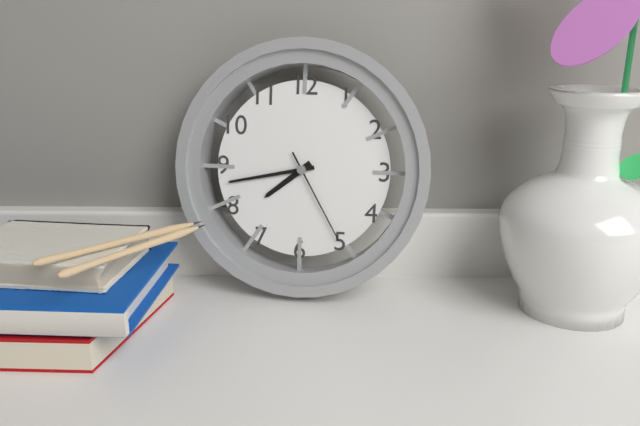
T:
7.43.25
